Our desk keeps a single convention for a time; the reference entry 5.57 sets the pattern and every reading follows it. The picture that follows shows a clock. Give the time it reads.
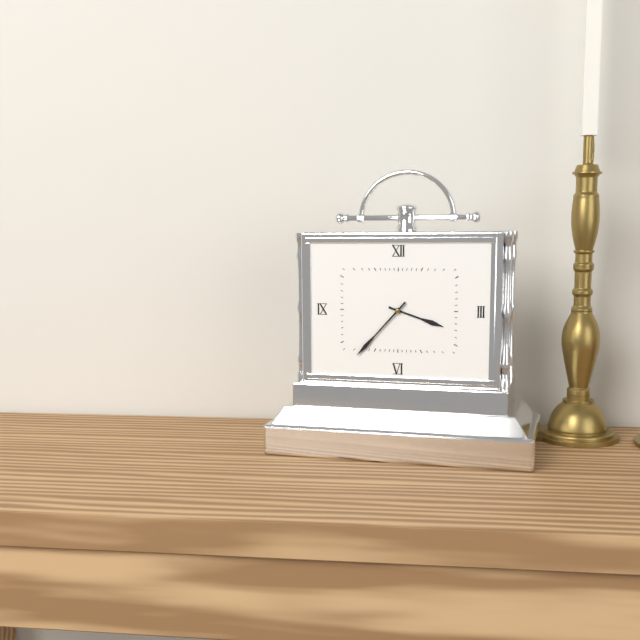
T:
3.37
